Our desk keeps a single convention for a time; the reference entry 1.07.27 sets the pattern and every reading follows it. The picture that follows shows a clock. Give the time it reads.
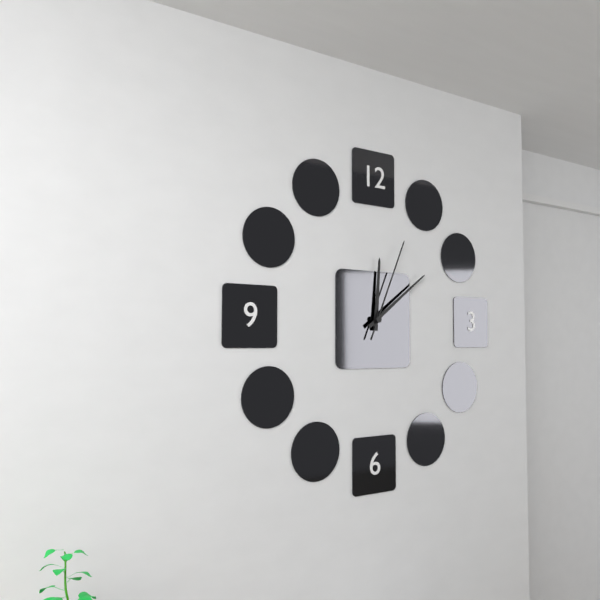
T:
12.09.04
